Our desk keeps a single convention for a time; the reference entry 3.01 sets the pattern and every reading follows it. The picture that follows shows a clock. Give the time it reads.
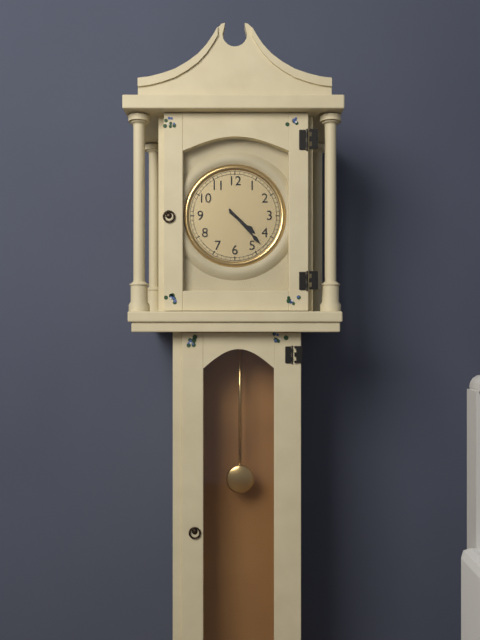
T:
4.23
